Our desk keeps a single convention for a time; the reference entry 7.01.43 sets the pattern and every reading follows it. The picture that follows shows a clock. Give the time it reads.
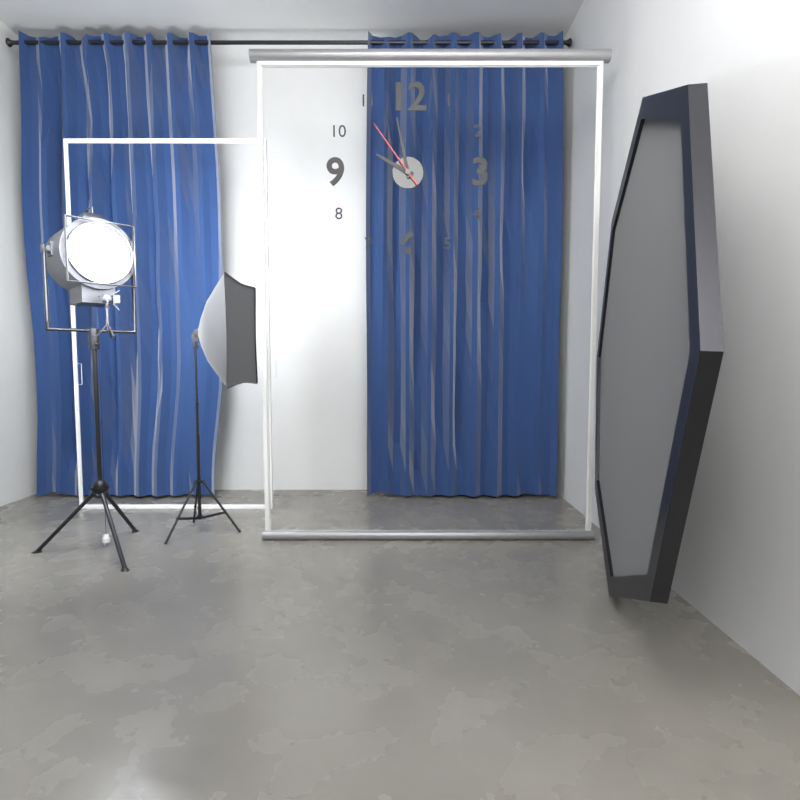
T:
9.58.54
